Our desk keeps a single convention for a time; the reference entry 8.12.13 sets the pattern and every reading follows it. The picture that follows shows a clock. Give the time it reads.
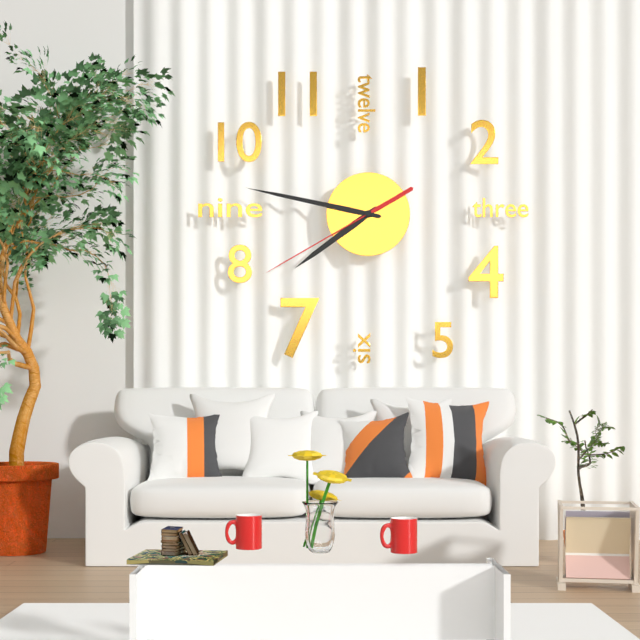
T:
7.47.40
